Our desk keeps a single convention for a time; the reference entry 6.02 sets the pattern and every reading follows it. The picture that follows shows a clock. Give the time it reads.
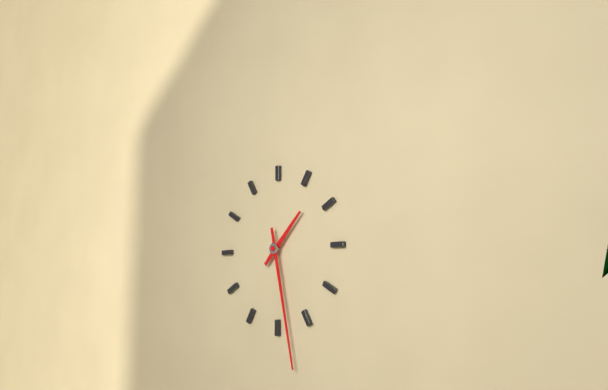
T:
1.28
